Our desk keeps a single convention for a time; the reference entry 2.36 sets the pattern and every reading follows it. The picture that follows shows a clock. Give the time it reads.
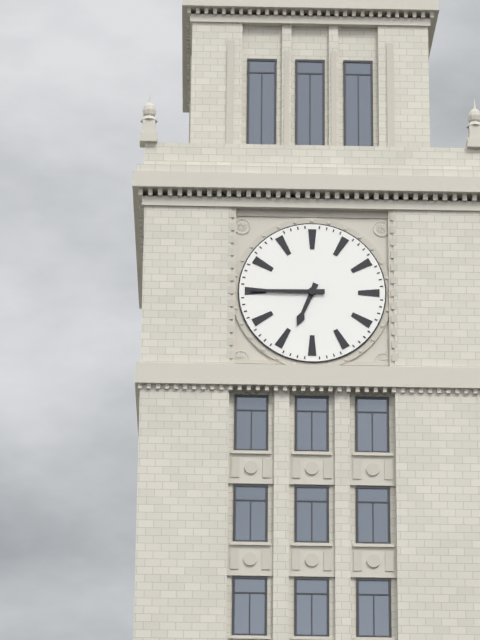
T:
6.45
